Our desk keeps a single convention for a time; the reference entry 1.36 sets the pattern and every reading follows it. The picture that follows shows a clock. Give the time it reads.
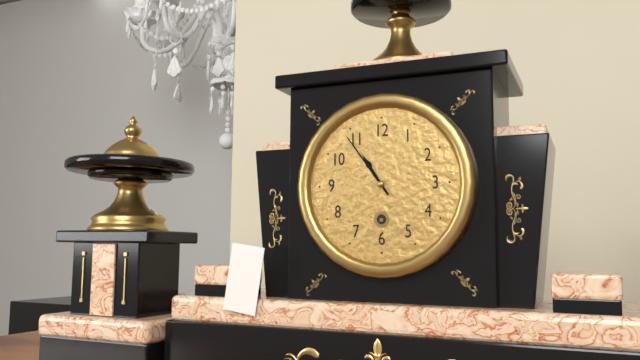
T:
10.54
